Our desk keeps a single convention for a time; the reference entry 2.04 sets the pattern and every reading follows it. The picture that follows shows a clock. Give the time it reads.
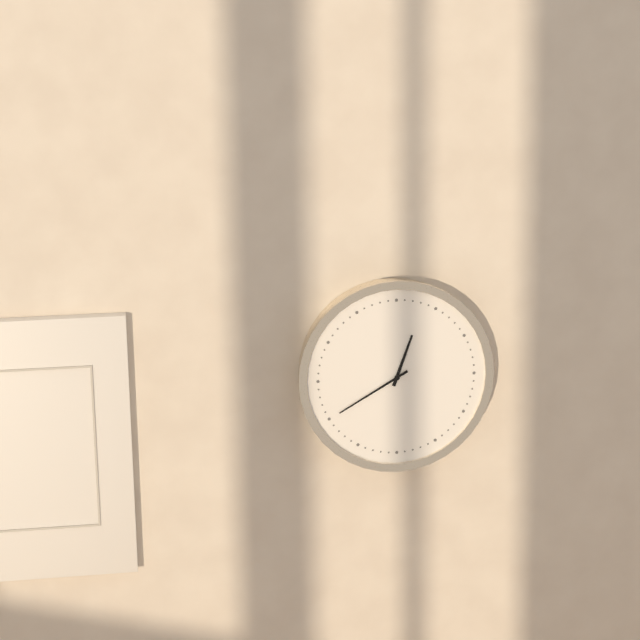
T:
12.40
